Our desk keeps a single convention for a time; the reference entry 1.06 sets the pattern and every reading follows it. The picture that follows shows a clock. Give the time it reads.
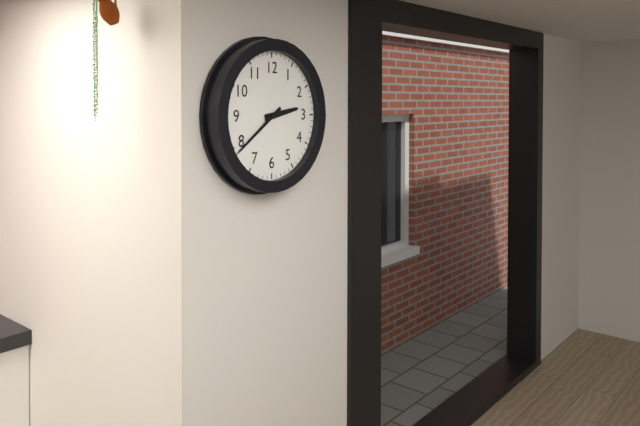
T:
2.39
